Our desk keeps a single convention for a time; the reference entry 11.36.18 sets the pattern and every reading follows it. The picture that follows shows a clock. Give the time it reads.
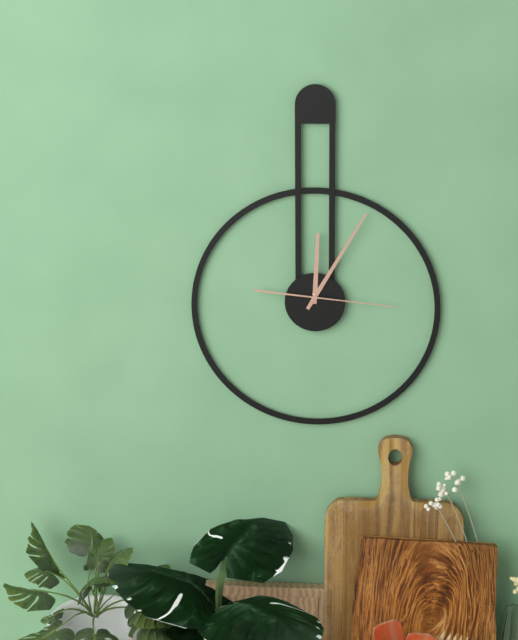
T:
12.05.16
